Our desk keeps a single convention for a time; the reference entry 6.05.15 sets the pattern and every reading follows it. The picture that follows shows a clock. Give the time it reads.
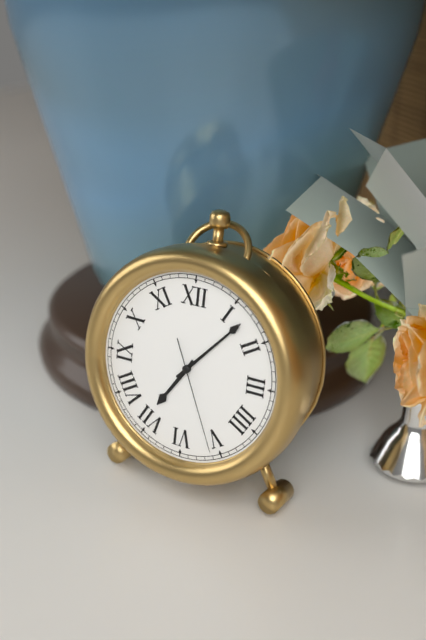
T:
7.07.26
